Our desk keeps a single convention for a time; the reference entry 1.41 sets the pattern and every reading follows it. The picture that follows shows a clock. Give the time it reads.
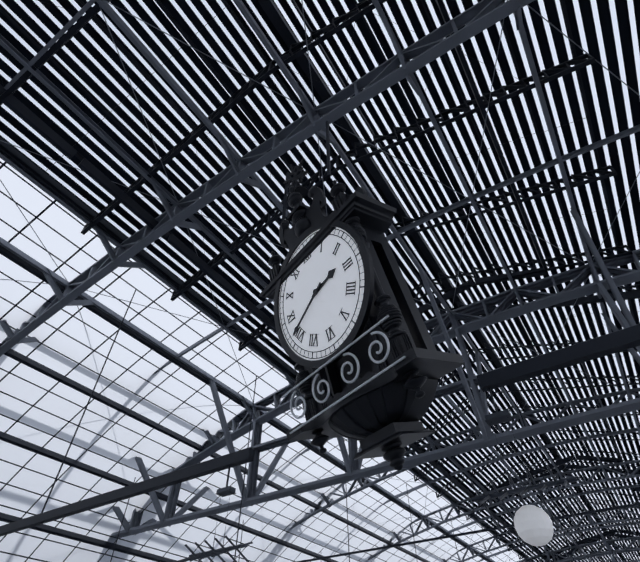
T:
2.41
